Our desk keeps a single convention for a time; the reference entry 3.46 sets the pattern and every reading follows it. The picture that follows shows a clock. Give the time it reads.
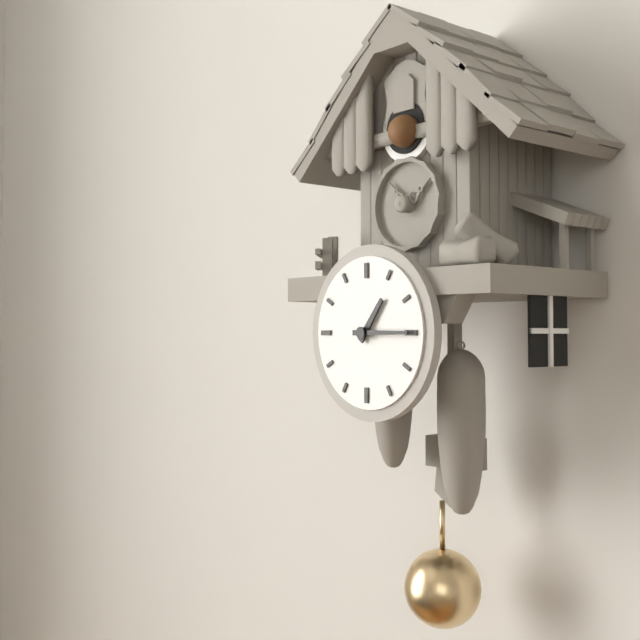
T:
1.15
